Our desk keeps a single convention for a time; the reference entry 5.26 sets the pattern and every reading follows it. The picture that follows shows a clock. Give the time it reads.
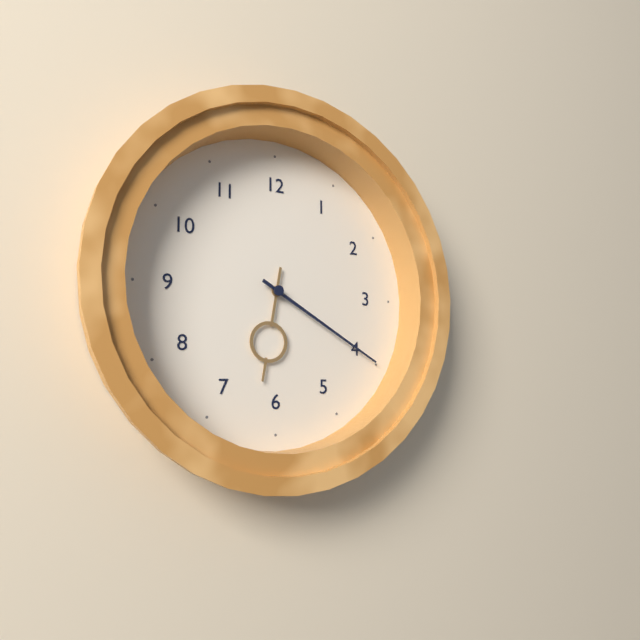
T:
6.20
